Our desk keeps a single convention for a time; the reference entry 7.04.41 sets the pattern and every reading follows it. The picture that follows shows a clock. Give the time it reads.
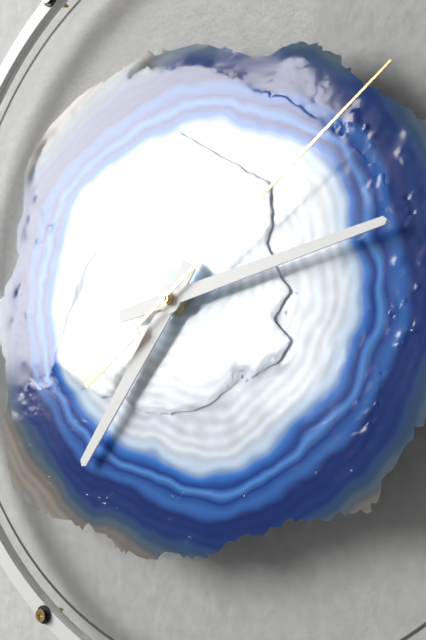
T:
7.13.09
